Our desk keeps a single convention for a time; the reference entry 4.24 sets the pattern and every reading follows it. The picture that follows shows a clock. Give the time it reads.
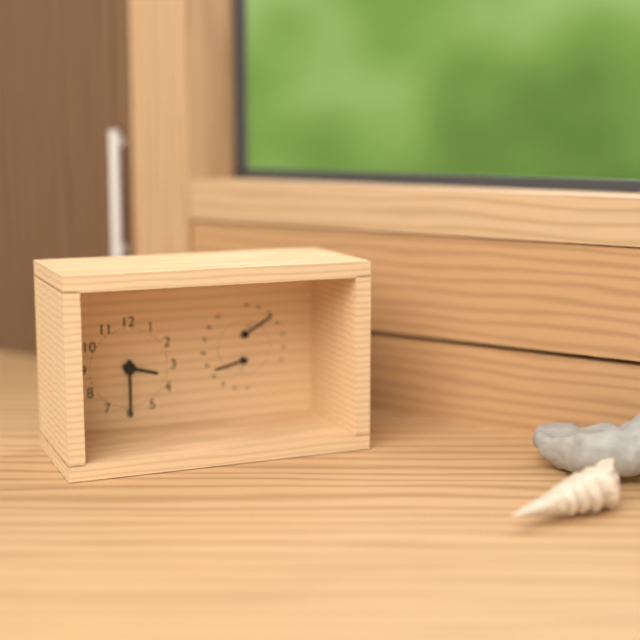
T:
3.30
